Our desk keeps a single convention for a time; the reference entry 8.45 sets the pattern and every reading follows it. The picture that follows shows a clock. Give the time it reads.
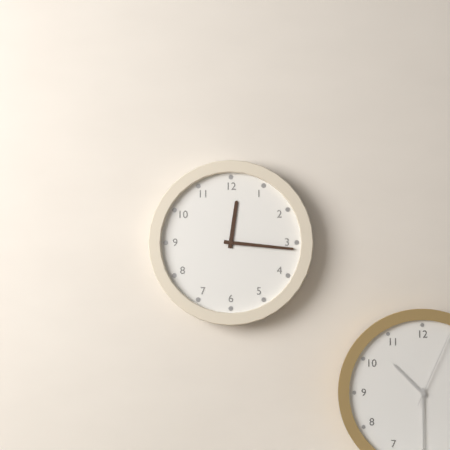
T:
12.16
